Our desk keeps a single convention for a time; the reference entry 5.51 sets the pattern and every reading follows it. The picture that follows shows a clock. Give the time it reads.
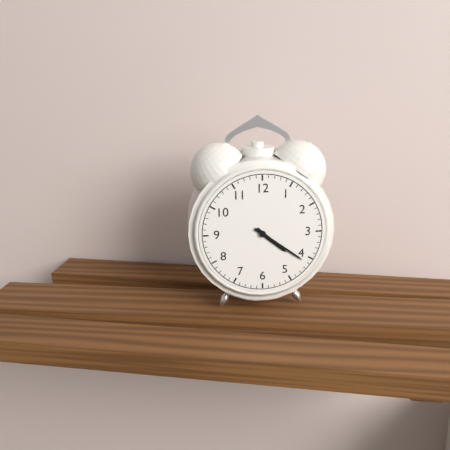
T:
4.21
